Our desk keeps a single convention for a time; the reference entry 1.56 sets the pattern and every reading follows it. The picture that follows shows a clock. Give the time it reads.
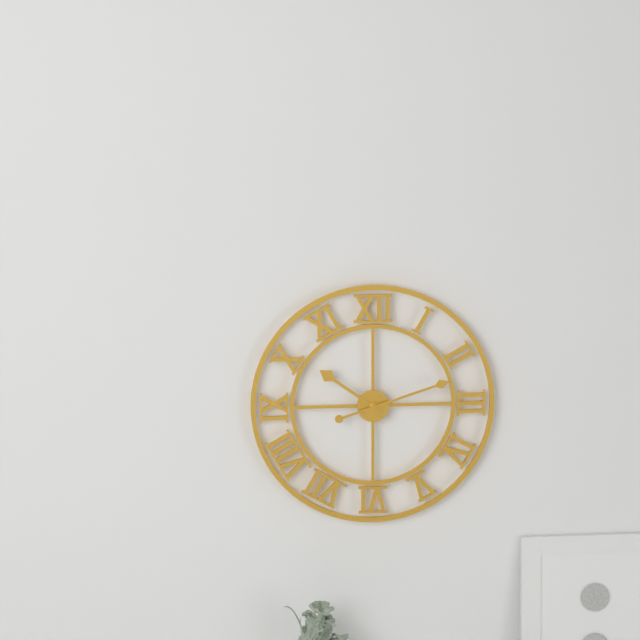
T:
10.12
